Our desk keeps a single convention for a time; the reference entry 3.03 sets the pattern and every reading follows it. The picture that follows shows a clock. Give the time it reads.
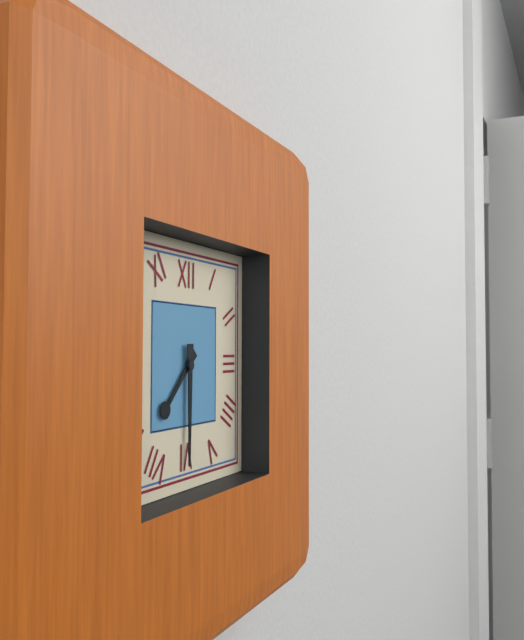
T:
7.30
